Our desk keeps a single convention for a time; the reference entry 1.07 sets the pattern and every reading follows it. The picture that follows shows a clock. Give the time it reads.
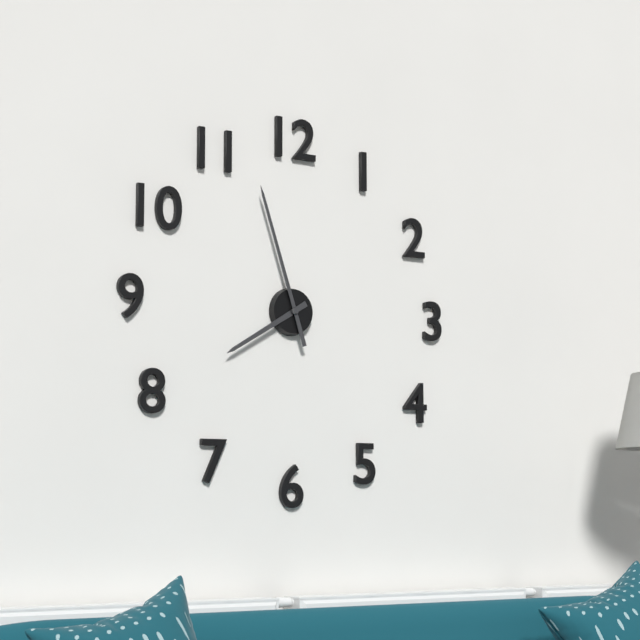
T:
7.57
